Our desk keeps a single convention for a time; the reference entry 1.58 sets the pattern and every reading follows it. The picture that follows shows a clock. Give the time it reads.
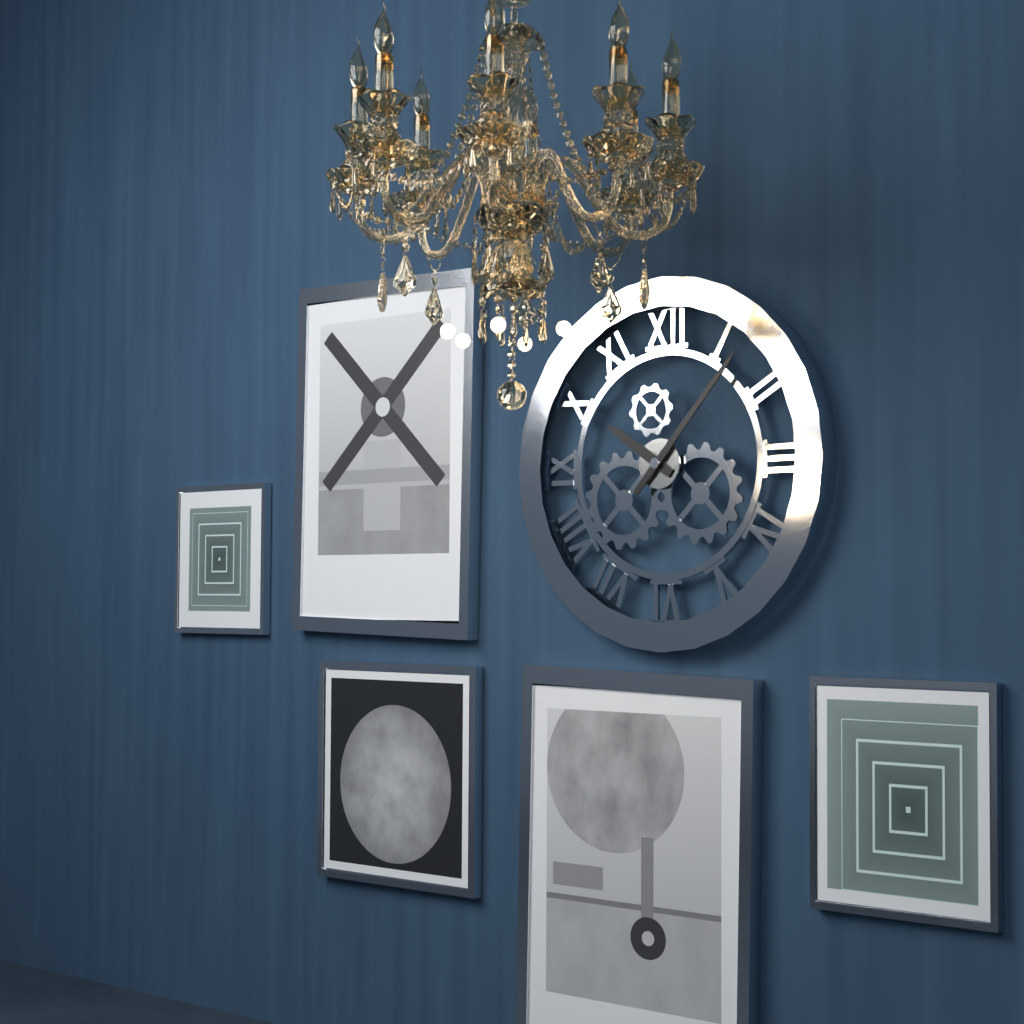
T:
10.07
